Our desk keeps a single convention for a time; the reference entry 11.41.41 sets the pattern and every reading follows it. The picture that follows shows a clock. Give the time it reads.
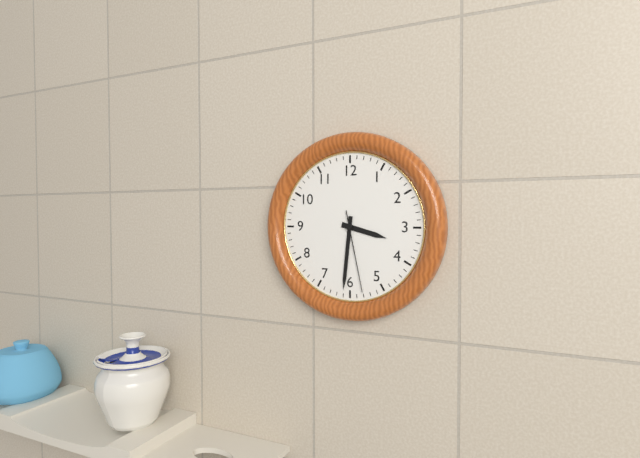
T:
3.31.28
